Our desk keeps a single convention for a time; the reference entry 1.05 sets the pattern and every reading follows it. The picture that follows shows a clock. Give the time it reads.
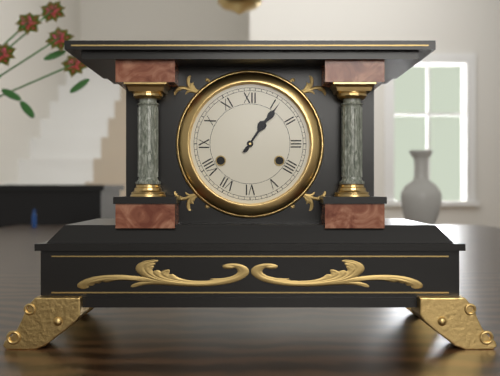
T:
1.06
